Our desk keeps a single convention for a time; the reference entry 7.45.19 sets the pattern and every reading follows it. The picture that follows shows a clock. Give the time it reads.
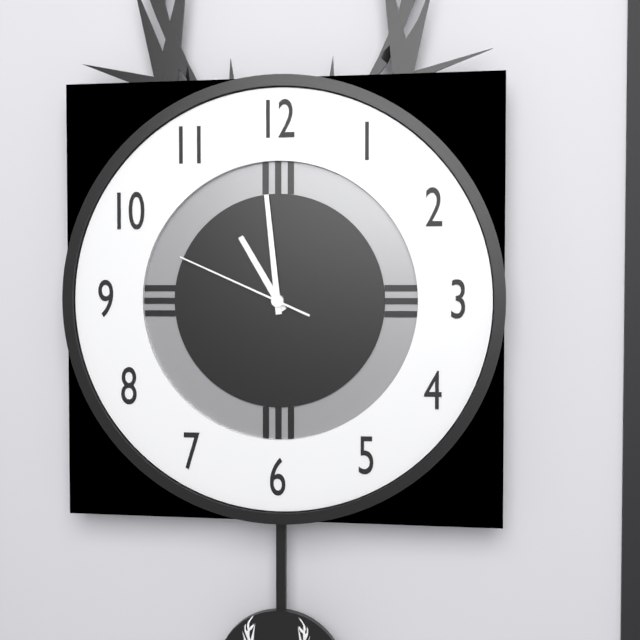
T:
10.59.49
